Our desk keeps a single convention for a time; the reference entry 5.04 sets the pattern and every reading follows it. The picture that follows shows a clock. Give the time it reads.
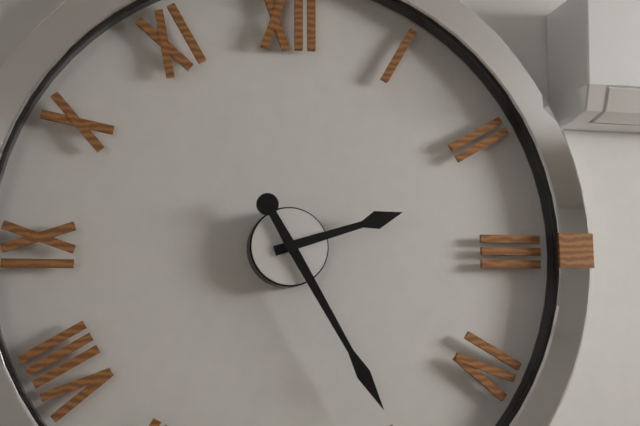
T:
2.25
